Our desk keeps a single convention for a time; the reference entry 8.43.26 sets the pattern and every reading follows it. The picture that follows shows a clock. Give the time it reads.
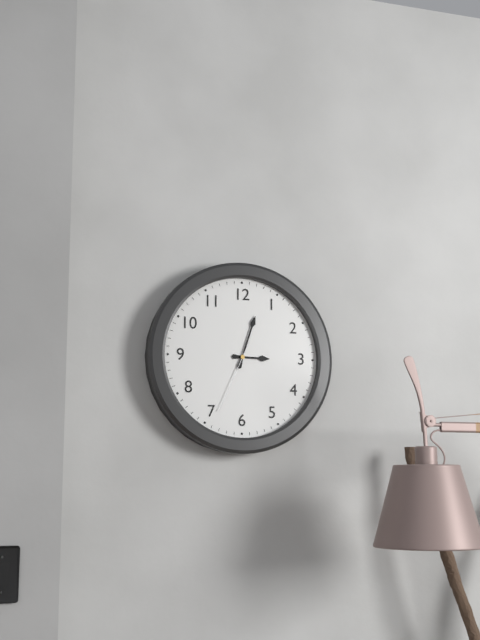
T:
3.03.34
